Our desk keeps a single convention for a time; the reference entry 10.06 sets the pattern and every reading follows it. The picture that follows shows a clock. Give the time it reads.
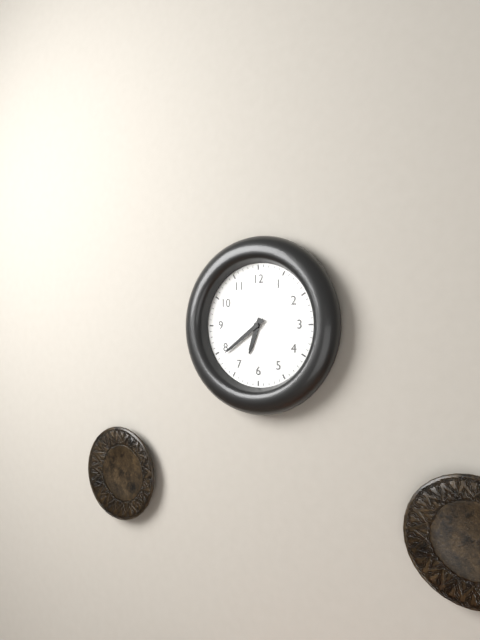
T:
6.39
